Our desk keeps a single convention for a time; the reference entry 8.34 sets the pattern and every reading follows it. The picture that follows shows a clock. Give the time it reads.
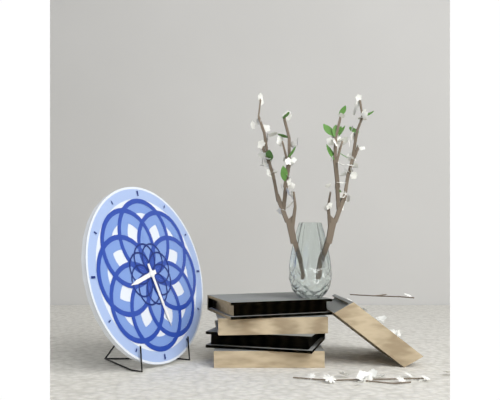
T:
8.27
